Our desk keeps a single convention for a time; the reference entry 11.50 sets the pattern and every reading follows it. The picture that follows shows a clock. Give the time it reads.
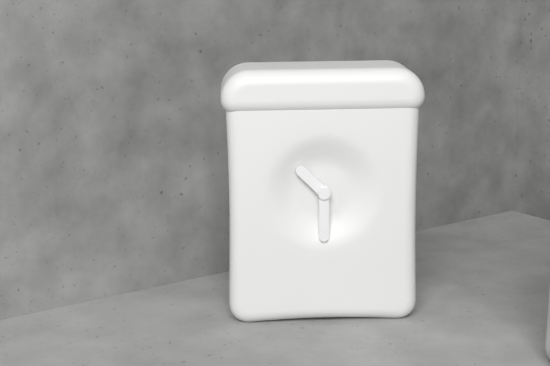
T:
10.30
